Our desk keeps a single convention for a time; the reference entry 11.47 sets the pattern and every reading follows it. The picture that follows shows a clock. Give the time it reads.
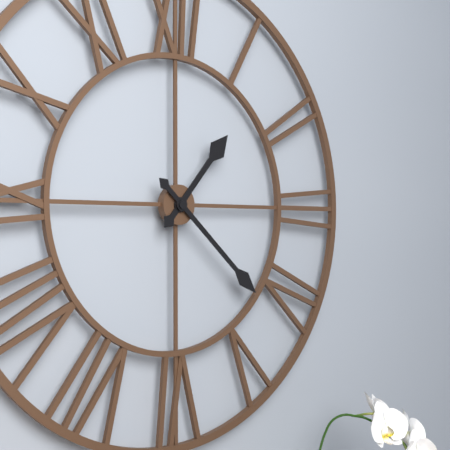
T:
1.22
